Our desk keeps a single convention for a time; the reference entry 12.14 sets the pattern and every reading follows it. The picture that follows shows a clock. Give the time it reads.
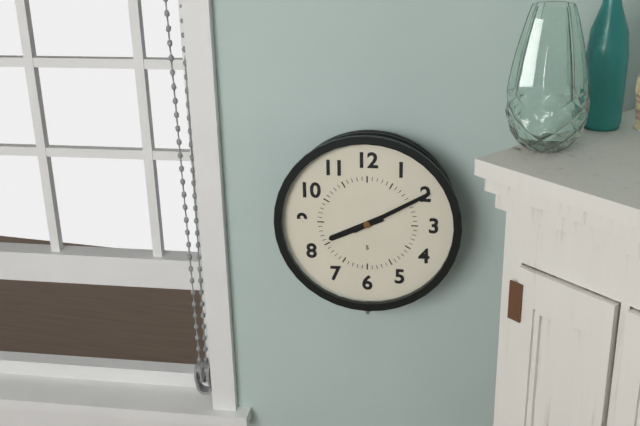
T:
8.10
